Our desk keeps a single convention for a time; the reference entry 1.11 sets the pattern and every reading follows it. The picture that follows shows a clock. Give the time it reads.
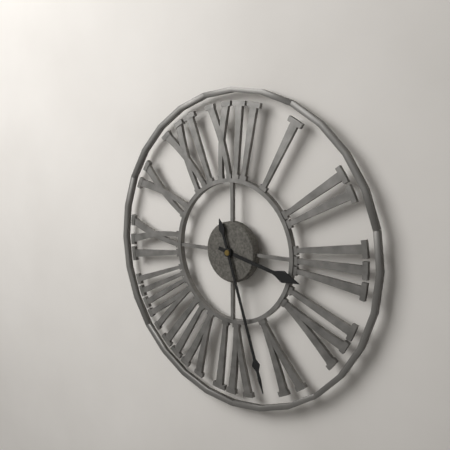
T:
3.27
